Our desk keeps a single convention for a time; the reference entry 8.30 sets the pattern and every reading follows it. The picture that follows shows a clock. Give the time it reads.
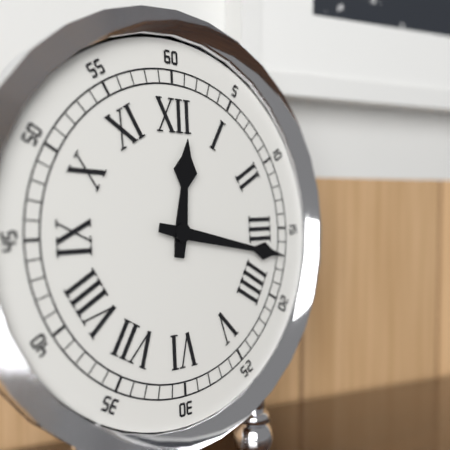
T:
12.17
